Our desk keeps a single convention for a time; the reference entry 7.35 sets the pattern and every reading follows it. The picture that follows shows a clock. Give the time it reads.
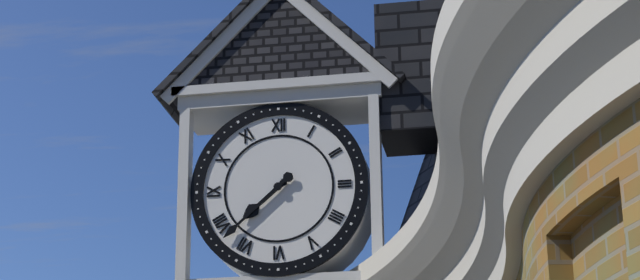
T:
7.38
